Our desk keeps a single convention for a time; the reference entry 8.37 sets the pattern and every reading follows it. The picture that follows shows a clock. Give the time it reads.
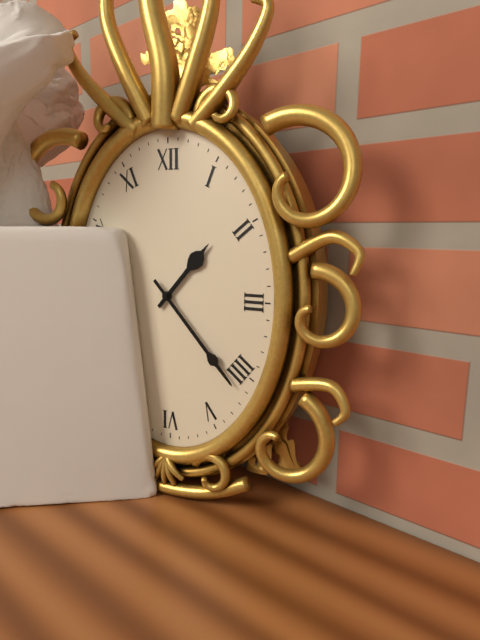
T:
1.23
